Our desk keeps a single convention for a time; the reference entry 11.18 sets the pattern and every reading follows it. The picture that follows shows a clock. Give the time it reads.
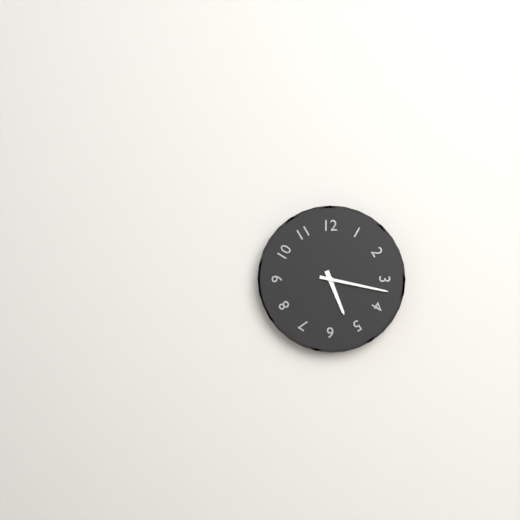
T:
5.17
